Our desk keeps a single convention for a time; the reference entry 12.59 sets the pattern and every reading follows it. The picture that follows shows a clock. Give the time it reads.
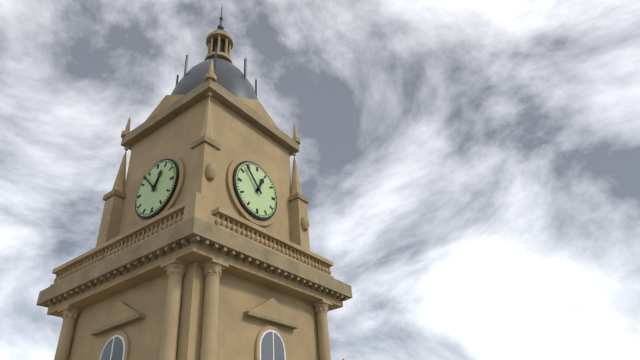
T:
12.53
